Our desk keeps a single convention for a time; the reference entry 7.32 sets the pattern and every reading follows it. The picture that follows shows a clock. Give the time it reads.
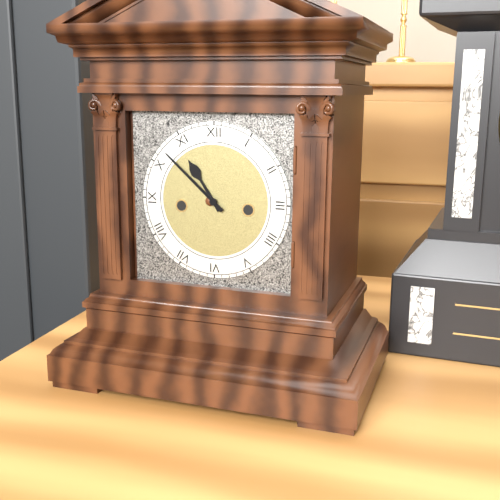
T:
10.52
